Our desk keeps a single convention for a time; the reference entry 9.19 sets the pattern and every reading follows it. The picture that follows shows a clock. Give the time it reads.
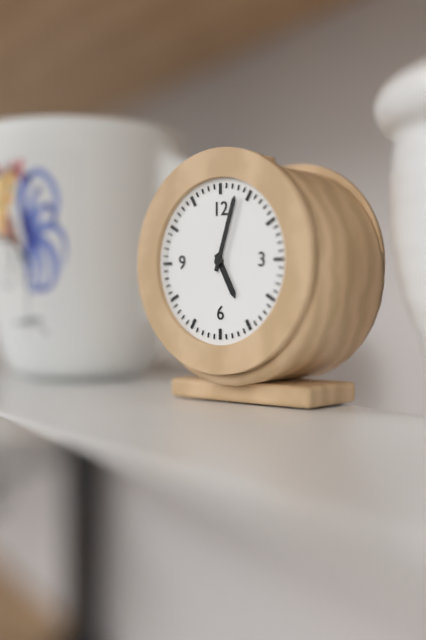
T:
5.03
